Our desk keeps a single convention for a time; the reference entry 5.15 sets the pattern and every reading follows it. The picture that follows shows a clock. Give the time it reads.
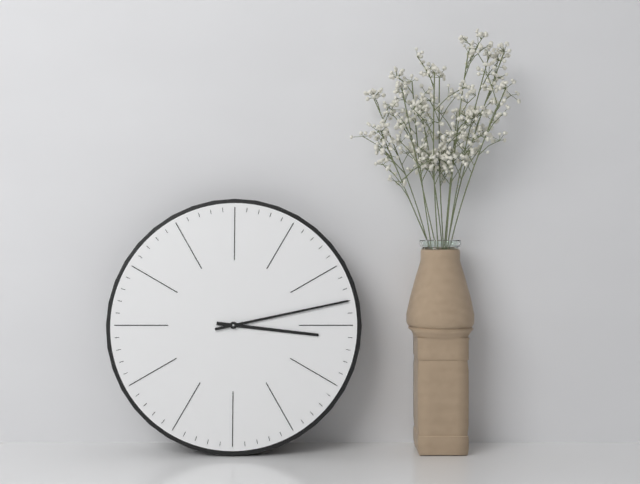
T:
3.13
